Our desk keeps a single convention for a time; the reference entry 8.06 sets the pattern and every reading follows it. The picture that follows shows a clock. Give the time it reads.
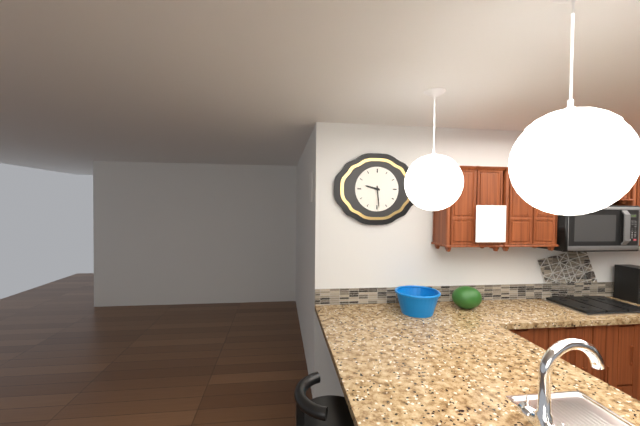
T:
9.29
